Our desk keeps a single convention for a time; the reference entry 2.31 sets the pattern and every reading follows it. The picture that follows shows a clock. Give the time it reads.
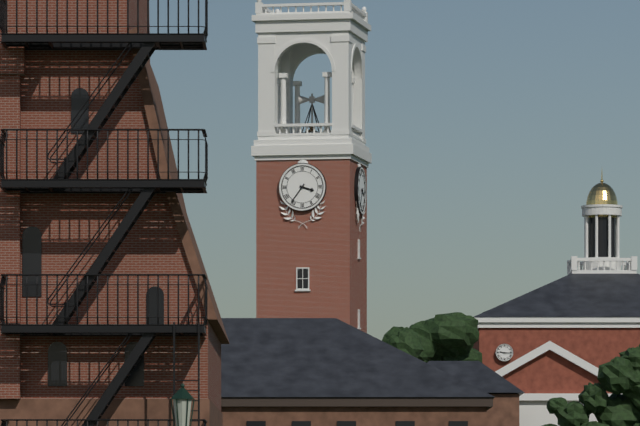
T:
3.36
